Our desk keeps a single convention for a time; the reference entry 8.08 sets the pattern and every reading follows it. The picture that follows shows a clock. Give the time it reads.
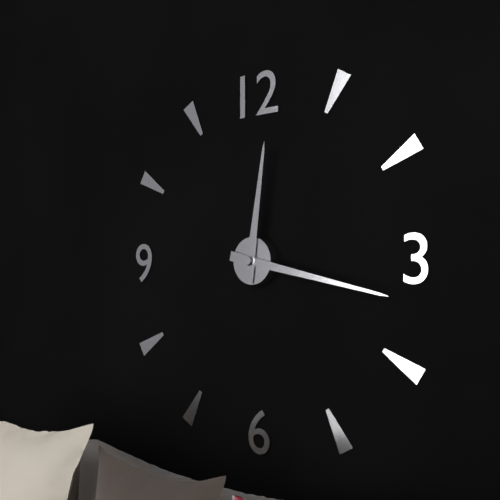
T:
12.17
